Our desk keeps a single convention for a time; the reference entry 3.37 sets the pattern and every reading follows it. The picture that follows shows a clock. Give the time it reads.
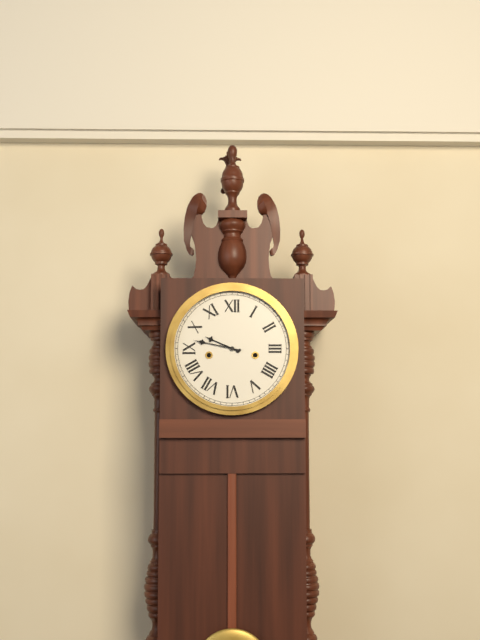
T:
9.47
